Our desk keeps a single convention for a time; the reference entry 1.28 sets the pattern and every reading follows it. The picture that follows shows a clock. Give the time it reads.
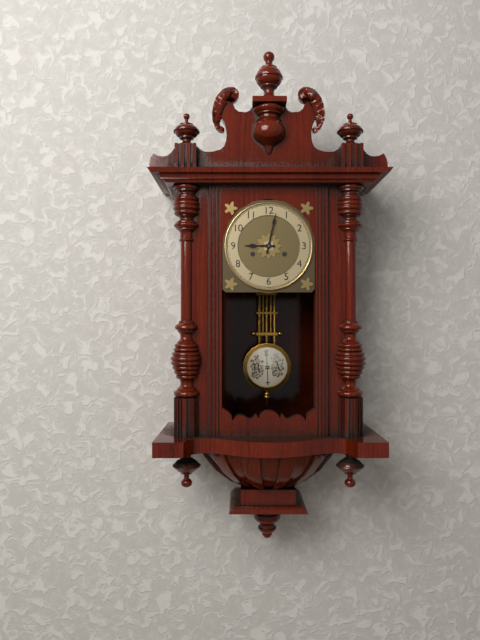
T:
9.02
